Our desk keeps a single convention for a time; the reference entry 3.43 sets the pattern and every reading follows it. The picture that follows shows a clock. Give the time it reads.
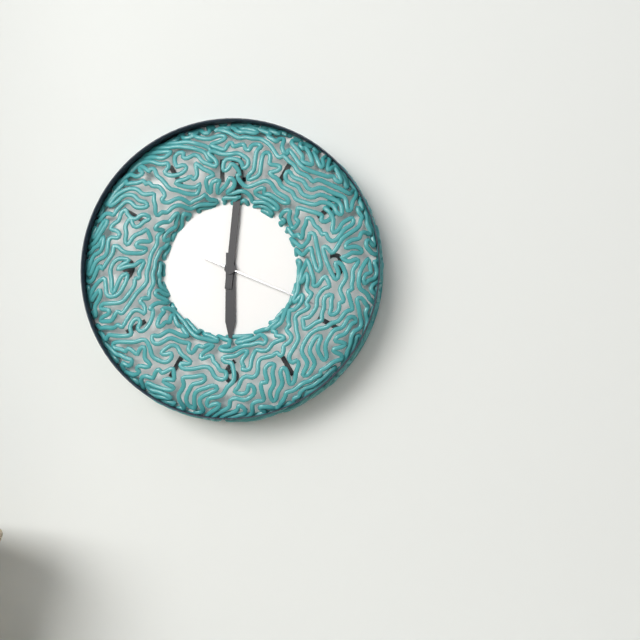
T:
6.01
